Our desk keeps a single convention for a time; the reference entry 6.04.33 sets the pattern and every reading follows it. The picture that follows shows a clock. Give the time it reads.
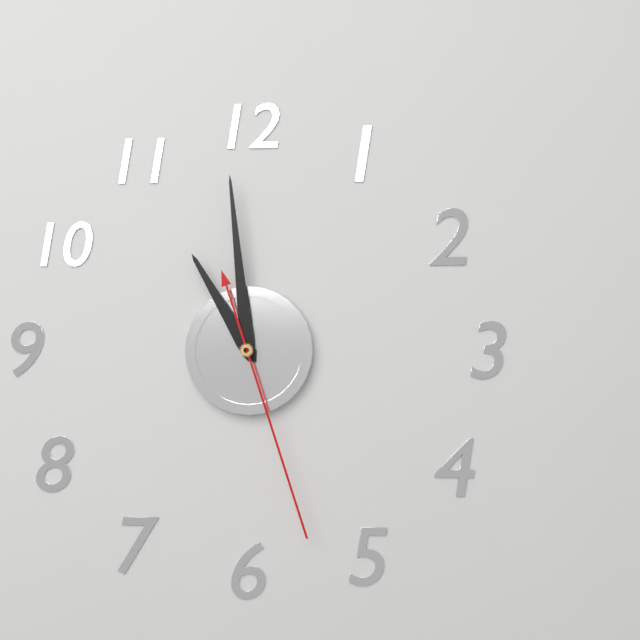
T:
10.59.27
